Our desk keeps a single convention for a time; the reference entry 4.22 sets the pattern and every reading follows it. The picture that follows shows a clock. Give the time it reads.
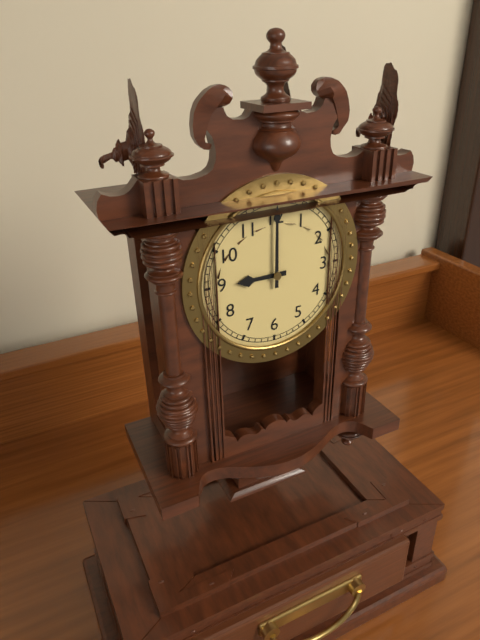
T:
9.00
